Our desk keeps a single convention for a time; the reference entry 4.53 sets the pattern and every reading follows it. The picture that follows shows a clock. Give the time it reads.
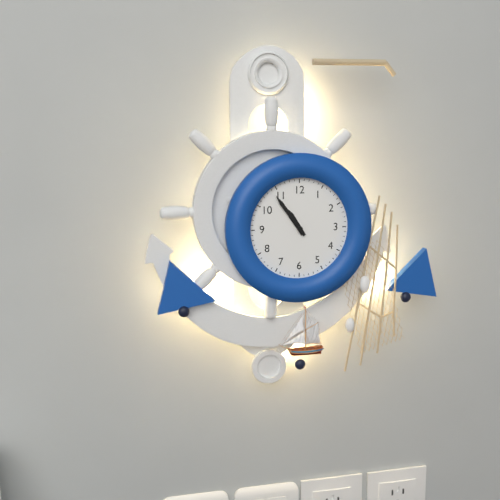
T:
10.54
